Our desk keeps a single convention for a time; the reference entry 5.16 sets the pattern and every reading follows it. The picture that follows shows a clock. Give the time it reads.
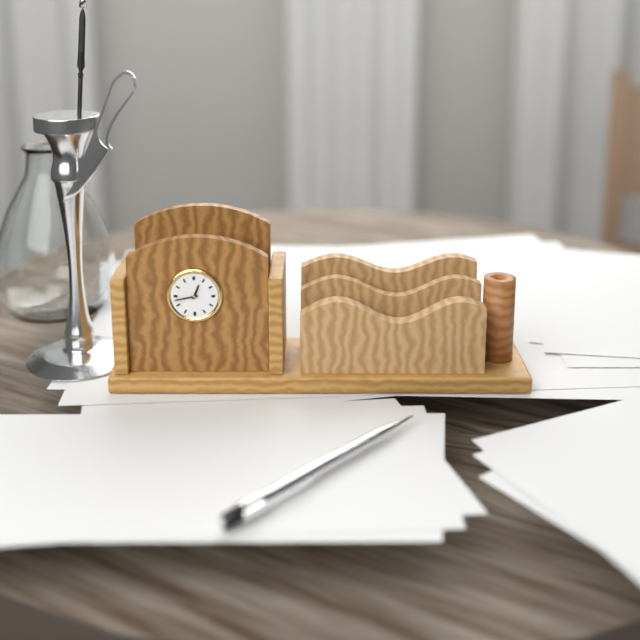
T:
12.43
